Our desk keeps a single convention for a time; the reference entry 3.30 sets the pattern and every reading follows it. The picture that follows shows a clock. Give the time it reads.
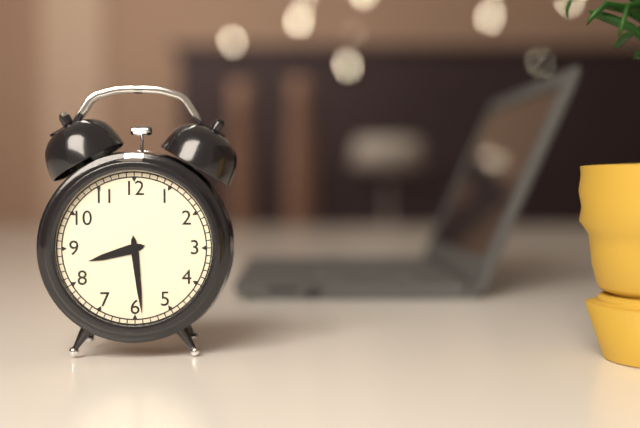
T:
8.29
